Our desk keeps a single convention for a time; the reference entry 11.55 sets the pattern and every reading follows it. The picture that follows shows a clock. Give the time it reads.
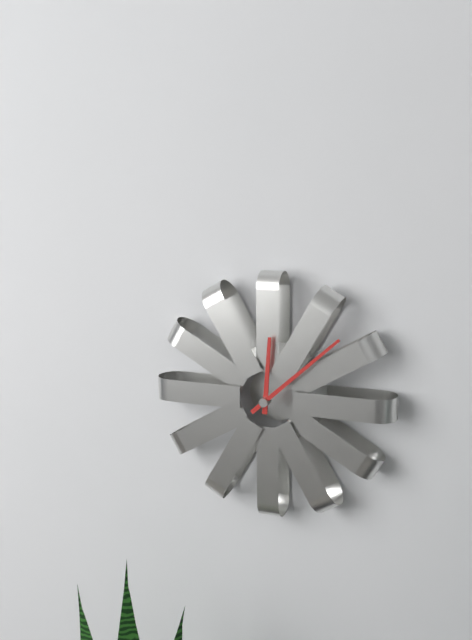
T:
12.08
